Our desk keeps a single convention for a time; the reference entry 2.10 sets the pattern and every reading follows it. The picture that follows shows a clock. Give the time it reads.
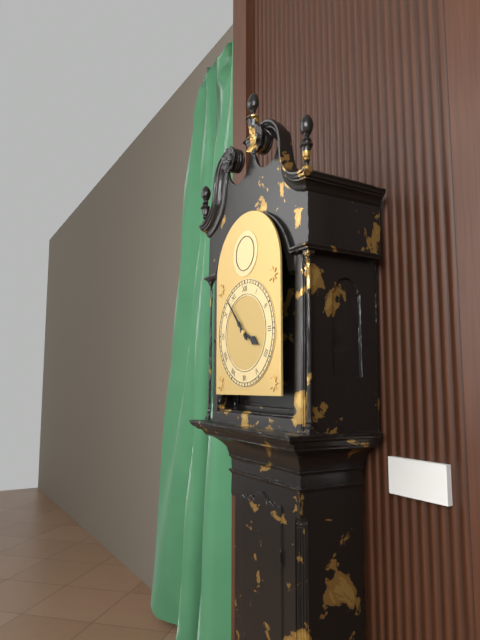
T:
3.53
